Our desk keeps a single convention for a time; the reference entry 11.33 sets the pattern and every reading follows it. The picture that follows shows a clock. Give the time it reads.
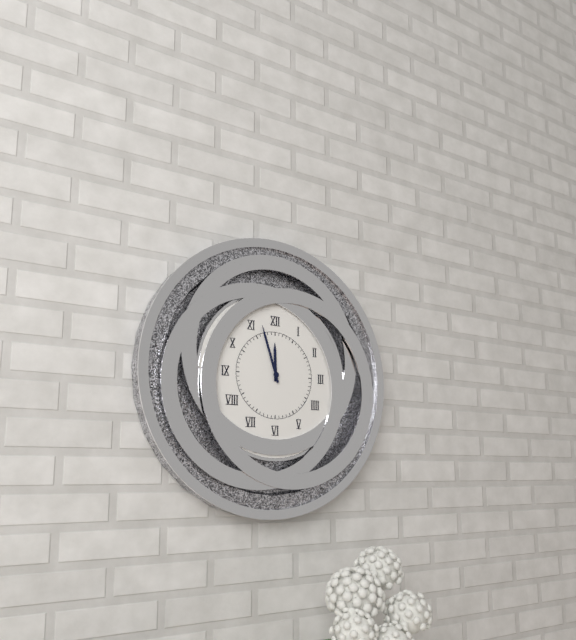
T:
11.57
